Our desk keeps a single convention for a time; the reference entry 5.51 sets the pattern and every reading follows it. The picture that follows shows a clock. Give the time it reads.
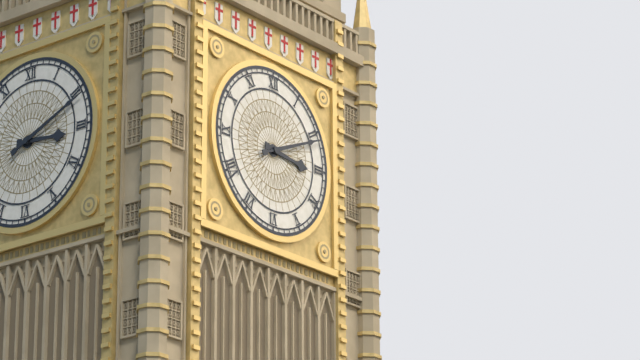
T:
3.11
